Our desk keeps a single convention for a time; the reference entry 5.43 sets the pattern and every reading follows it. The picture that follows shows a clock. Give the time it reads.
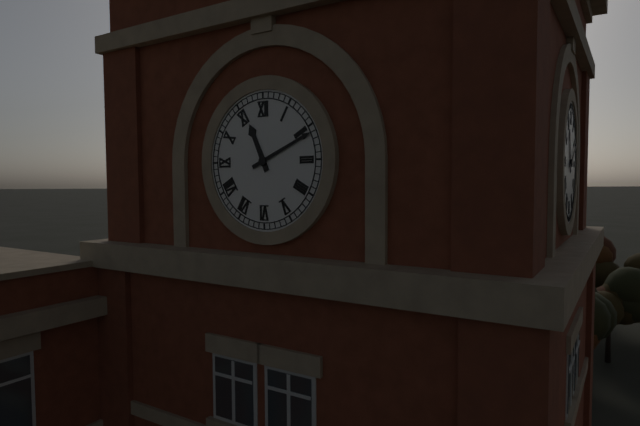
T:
11.11
